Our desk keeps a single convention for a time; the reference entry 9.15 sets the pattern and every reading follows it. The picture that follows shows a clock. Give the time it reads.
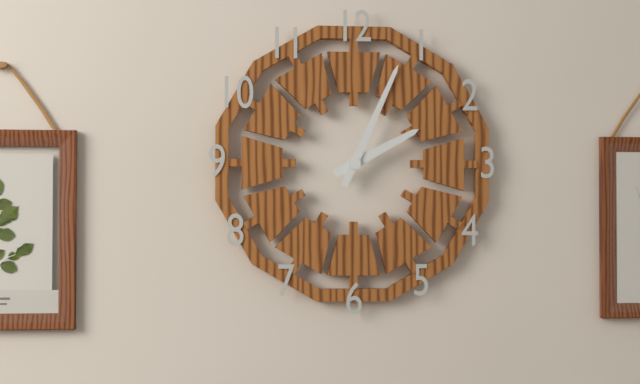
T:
2.04
